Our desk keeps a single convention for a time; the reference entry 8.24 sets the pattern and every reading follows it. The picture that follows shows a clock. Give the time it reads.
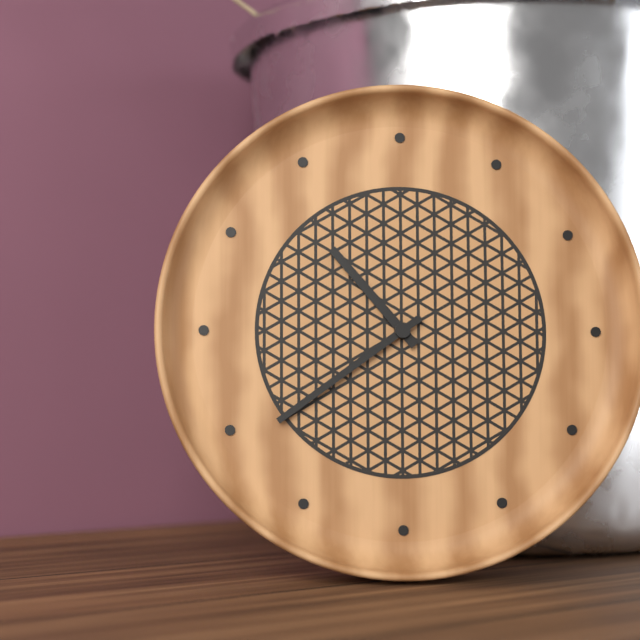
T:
10.39
